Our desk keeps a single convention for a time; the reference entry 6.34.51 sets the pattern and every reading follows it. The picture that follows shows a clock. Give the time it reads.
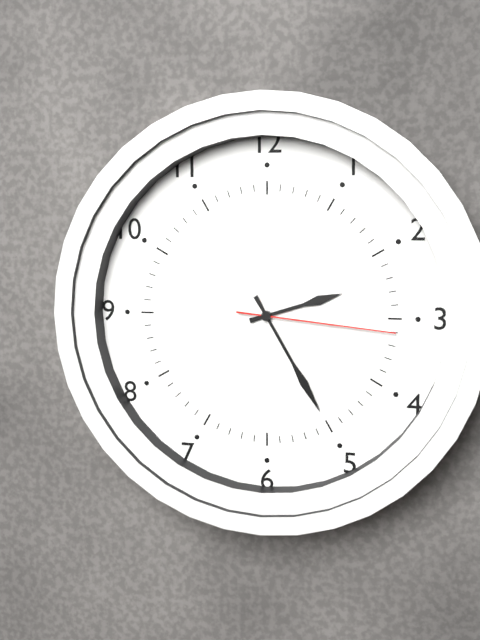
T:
2.25.16
